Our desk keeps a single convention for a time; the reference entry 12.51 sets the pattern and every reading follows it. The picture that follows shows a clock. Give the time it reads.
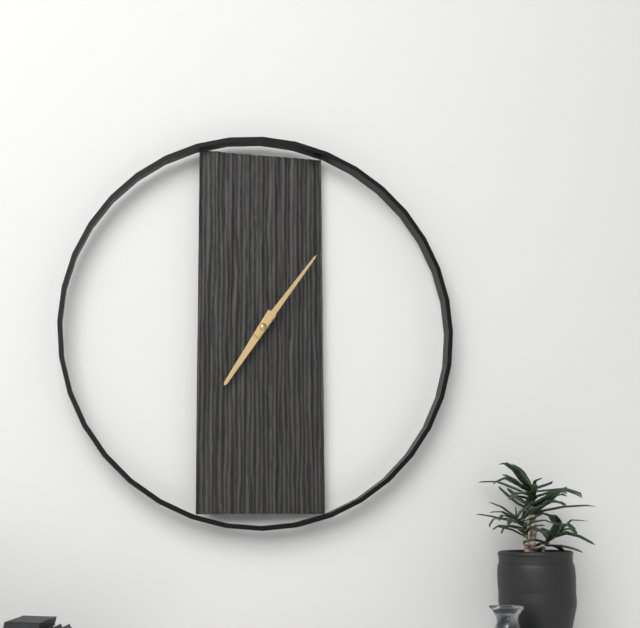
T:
7.06
